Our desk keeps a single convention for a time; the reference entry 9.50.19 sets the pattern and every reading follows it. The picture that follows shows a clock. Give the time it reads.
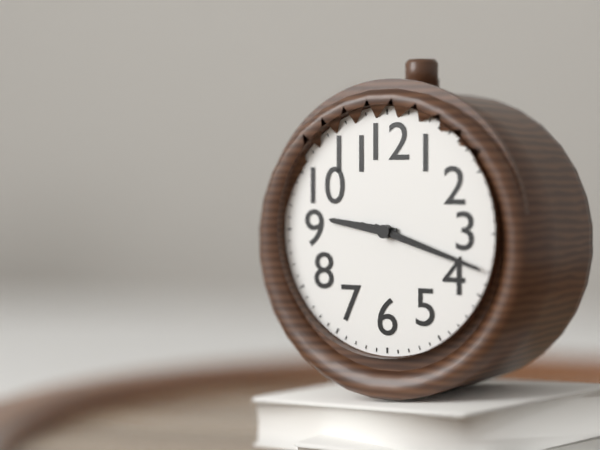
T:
9.18.18
